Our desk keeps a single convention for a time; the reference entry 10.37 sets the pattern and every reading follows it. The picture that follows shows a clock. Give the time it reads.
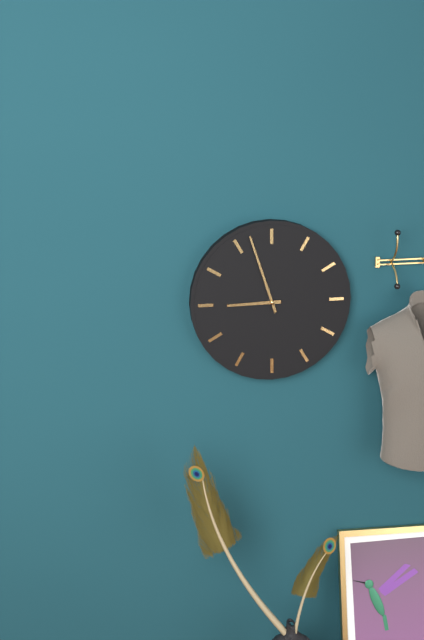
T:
8.57
